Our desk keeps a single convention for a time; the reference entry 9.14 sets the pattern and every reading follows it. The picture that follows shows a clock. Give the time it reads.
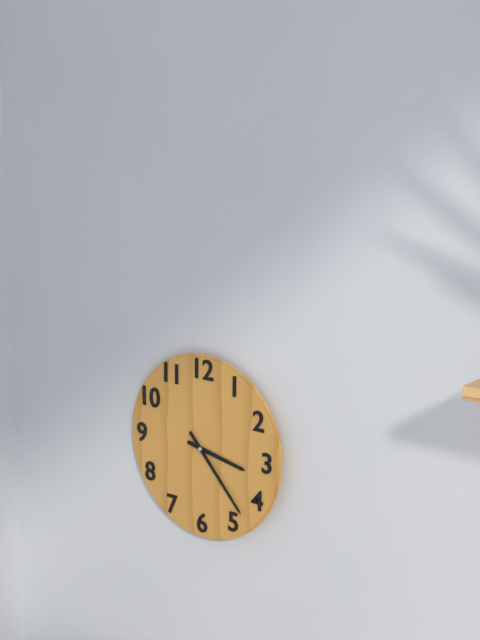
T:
3.23
